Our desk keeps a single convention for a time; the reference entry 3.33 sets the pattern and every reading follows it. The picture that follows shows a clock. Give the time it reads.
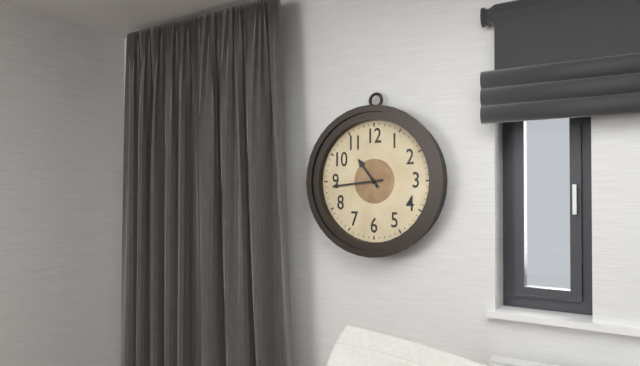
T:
10.44
